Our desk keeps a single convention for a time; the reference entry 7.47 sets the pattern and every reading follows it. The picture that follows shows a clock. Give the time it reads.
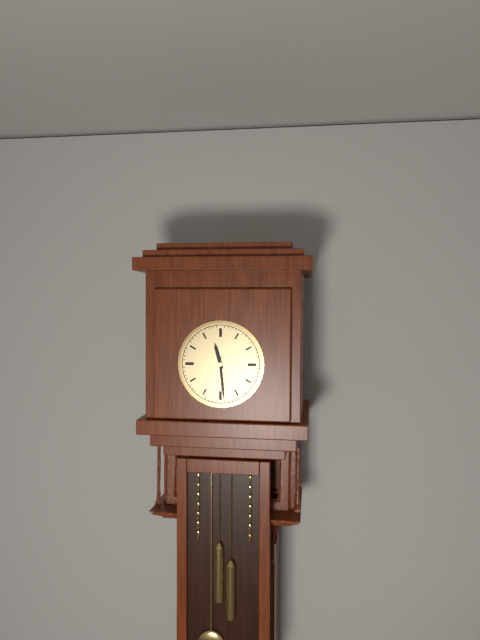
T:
11.29
